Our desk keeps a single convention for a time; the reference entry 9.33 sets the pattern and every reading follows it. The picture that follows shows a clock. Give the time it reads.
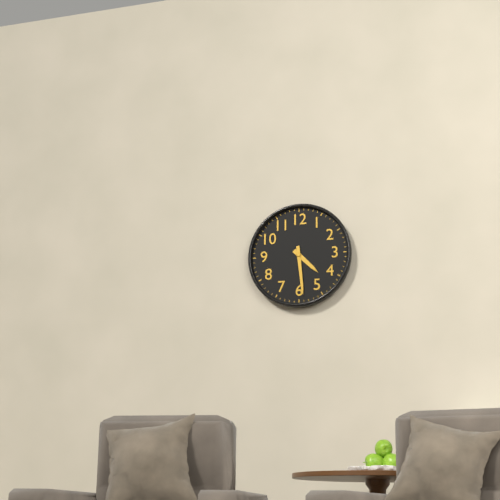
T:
4.29
